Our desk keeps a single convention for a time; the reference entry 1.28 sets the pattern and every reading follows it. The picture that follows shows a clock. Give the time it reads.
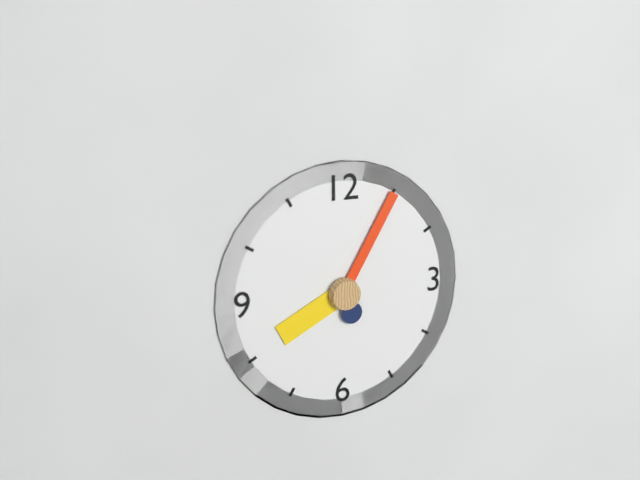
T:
8.05
